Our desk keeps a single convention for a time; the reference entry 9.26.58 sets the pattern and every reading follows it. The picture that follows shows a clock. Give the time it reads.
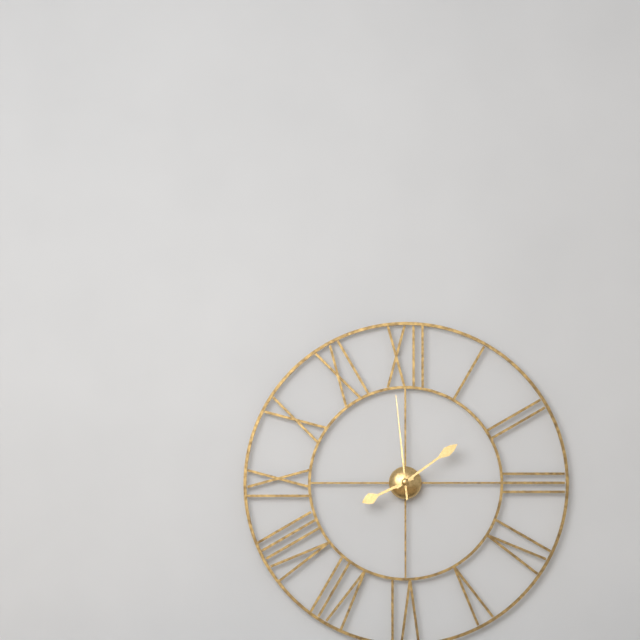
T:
8.09.59
